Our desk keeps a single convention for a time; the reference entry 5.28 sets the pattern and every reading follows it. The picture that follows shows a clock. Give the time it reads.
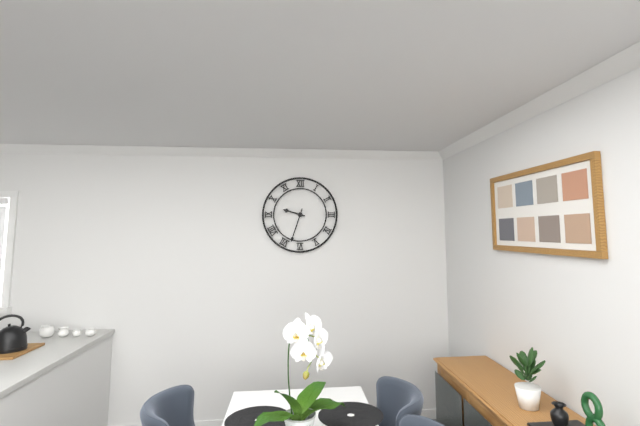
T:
9.33
